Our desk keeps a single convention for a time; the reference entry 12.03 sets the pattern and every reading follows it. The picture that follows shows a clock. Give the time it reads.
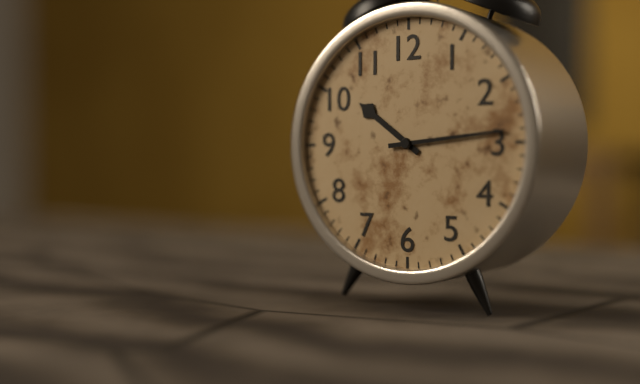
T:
10.14
